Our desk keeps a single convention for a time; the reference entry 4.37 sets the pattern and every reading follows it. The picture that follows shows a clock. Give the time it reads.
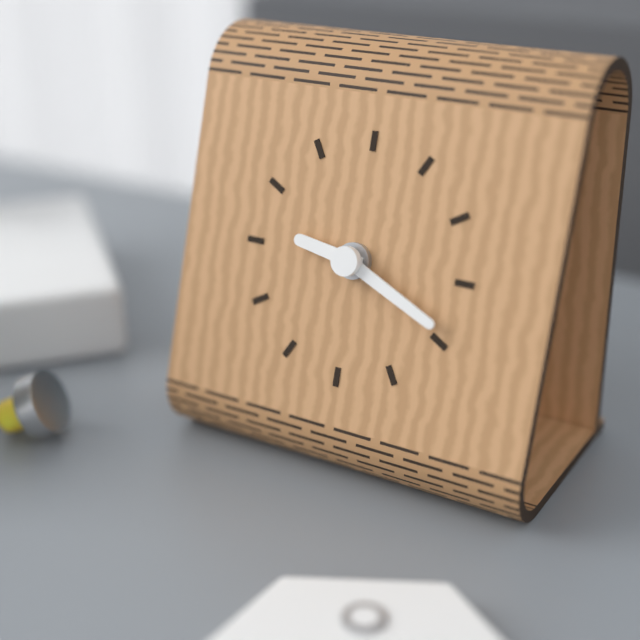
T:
9.19
